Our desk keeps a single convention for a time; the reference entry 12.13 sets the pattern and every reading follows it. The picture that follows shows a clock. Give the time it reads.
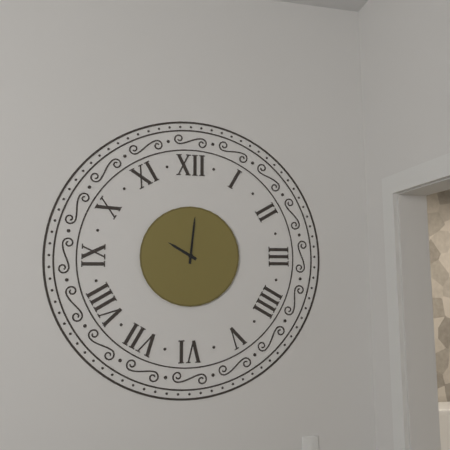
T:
10.01
